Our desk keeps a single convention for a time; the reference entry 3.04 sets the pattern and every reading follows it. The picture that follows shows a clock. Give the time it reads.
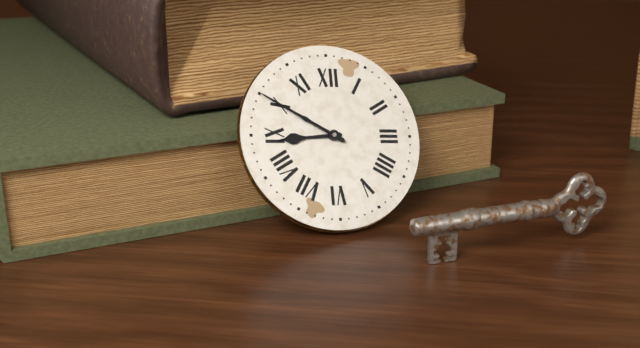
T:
8.50
